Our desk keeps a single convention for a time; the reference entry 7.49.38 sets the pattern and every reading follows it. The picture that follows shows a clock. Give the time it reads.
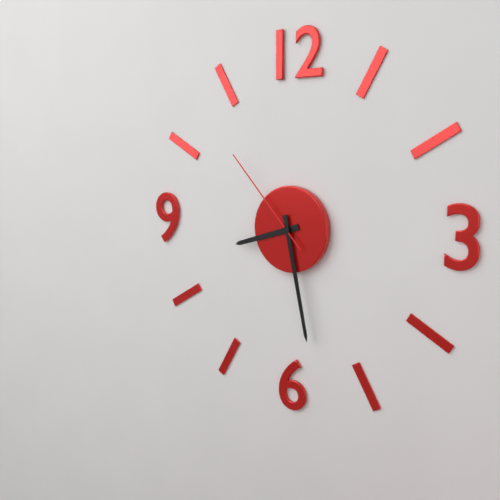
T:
8.28.53
